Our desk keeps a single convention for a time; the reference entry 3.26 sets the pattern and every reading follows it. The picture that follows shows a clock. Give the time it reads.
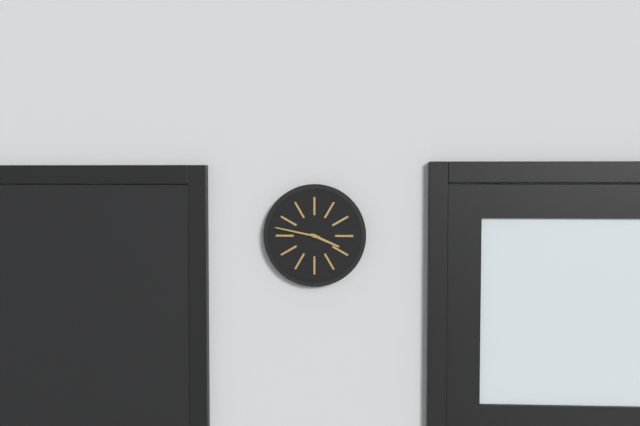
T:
3.47
